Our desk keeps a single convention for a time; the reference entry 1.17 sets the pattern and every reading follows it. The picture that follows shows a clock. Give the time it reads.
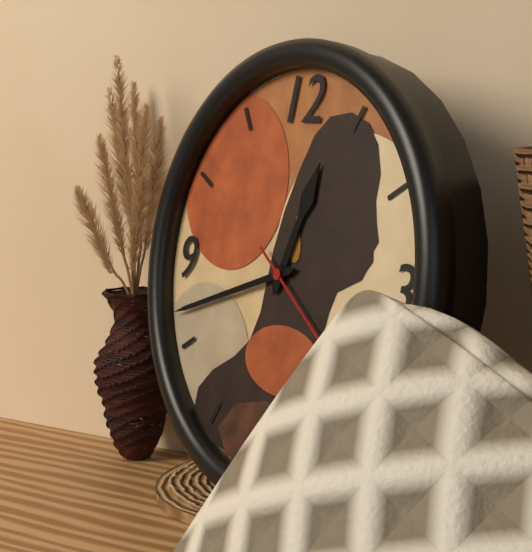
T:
12.42
